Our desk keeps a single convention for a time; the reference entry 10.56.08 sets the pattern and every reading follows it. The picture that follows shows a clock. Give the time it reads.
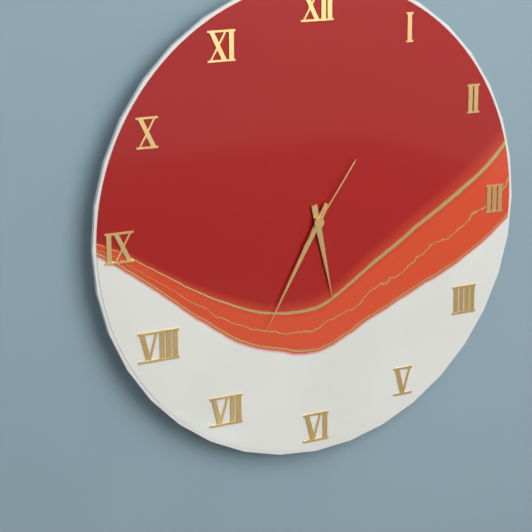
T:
5.35.06
